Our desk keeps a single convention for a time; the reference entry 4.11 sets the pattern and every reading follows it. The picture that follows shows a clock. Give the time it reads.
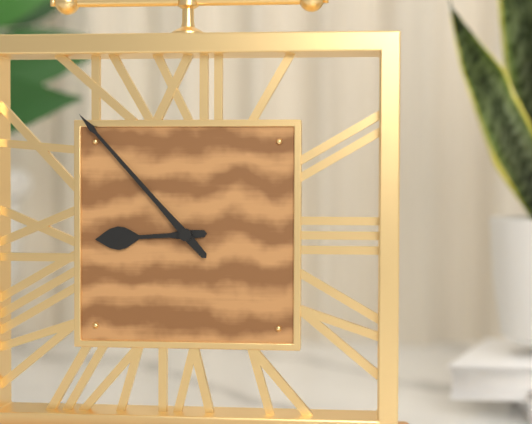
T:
8.53
